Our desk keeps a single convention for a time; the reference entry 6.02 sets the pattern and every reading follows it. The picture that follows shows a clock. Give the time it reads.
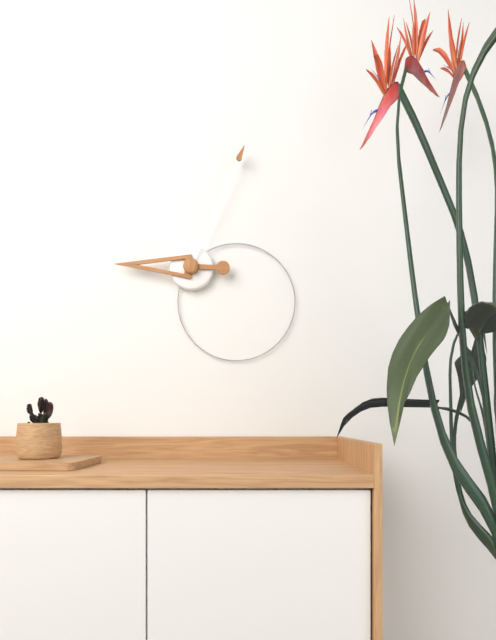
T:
9.04
